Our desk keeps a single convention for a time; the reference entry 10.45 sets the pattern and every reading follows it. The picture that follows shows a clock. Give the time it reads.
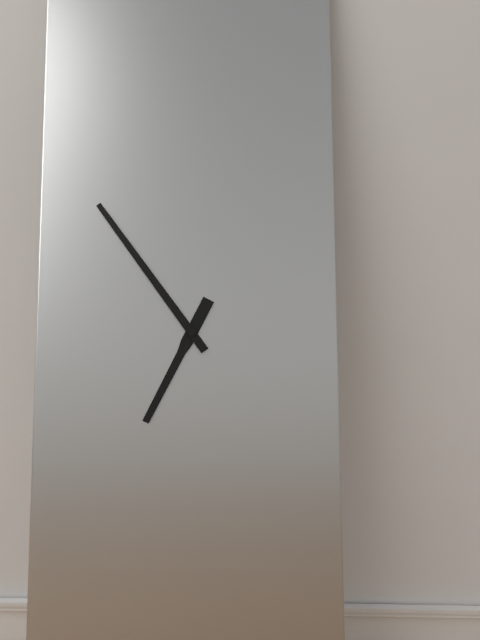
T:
6.54
